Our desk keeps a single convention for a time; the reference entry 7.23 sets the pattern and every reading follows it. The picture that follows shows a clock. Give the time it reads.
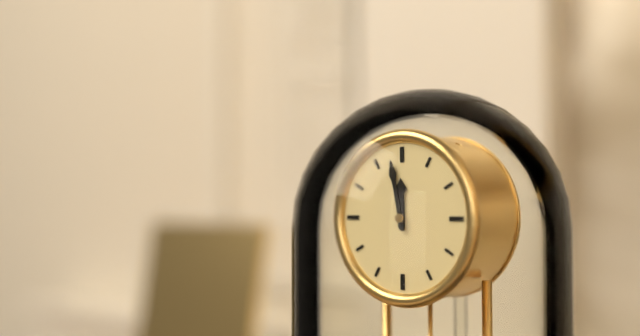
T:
11.58
